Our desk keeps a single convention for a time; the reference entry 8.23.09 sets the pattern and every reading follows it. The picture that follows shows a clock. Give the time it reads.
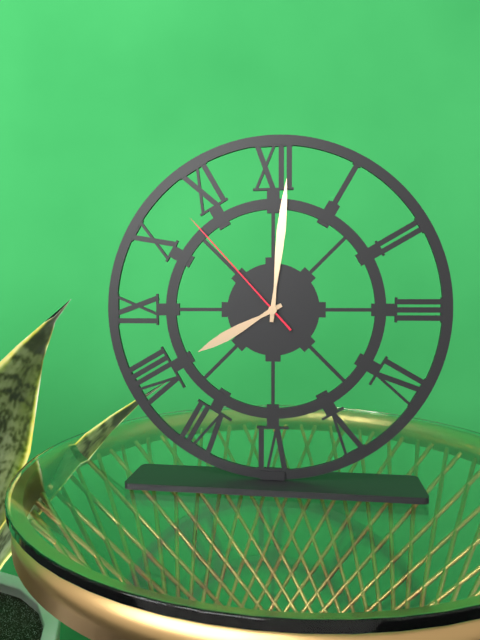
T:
8.01.53
